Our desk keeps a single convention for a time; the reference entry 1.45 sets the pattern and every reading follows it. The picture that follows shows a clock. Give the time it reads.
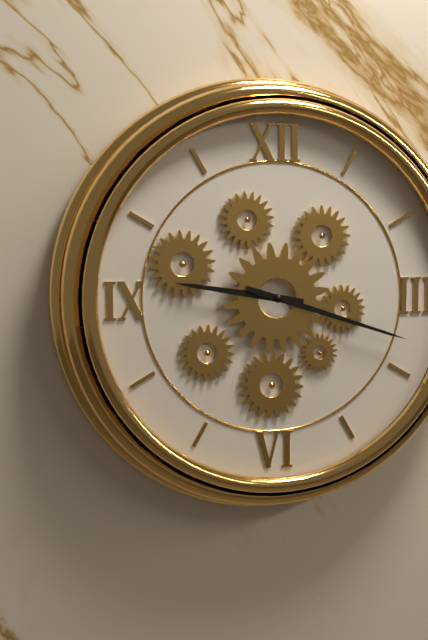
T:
9.18
